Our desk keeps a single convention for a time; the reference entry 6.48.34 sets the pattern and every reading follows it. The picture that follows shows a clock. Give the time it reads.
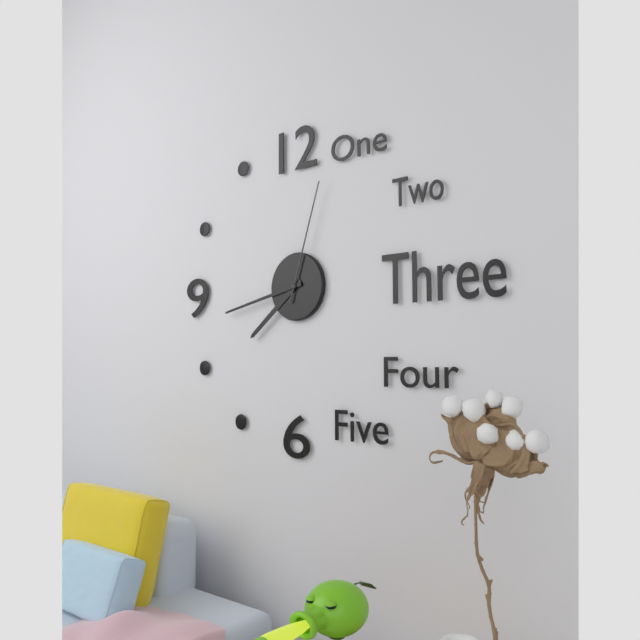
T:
7.43.03
